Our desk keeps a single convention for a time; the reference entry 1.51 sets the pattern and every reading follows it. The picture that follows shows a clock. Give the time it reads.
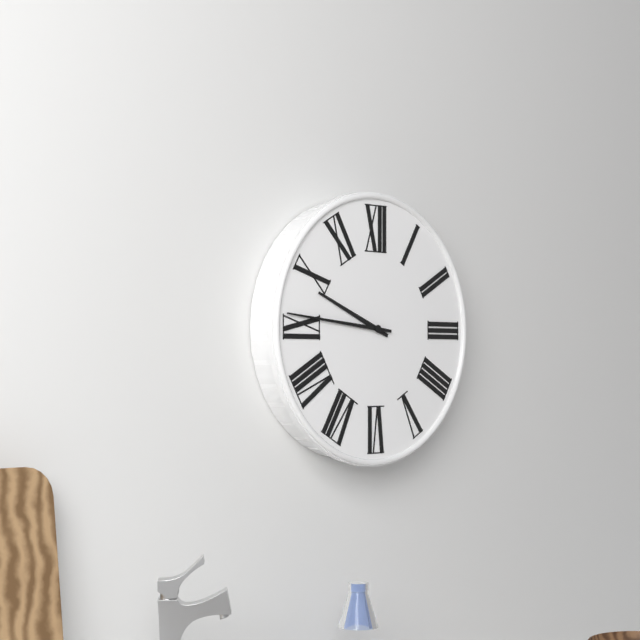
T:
9.46
